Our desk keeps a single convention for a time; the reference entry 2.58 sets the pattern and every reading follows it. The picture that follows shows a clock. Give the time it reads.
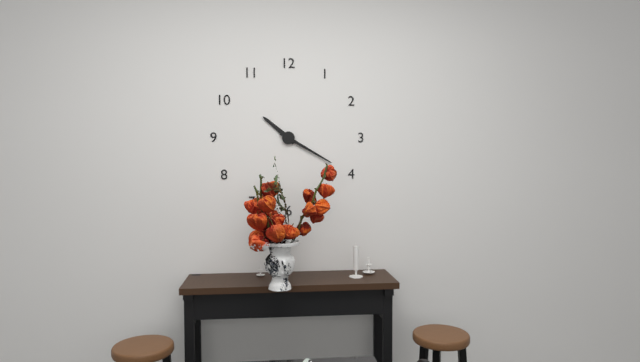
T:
10.20
